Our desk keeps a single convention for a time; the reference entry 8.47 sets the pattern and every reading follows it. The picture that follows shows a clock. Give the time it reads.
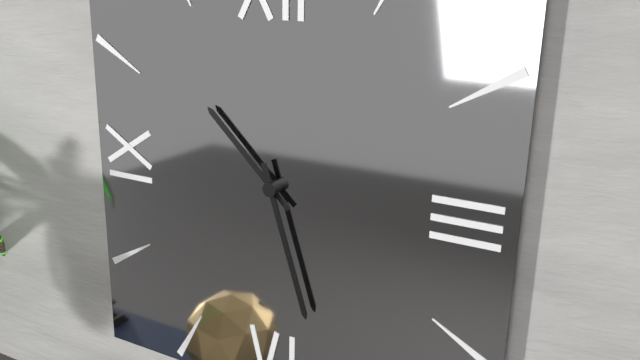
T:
10.27
